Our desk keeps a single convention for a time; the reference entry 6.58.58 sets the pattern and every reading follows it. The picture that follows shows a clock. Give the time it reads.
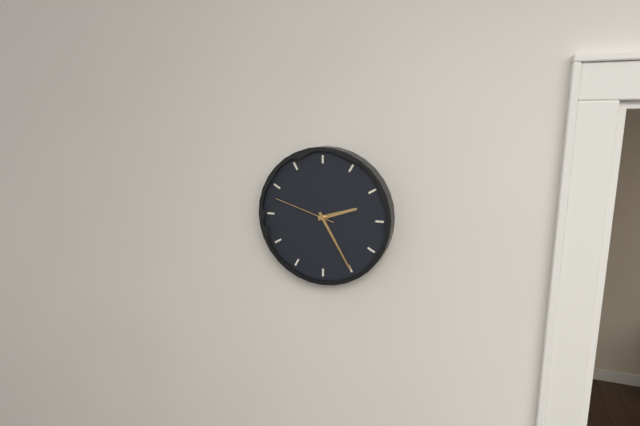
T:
2.25.48
